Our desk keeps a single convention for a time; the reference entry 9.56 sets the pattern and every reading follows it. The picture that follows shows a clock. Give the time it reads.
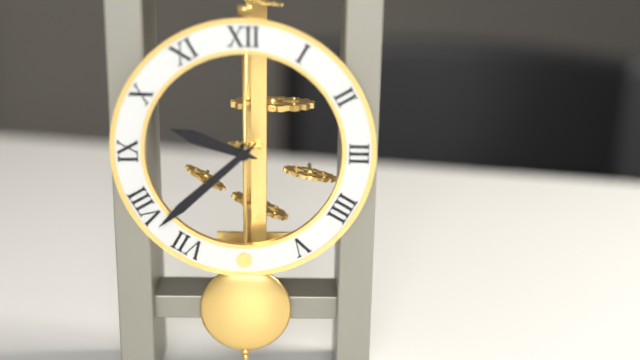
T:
9.38
